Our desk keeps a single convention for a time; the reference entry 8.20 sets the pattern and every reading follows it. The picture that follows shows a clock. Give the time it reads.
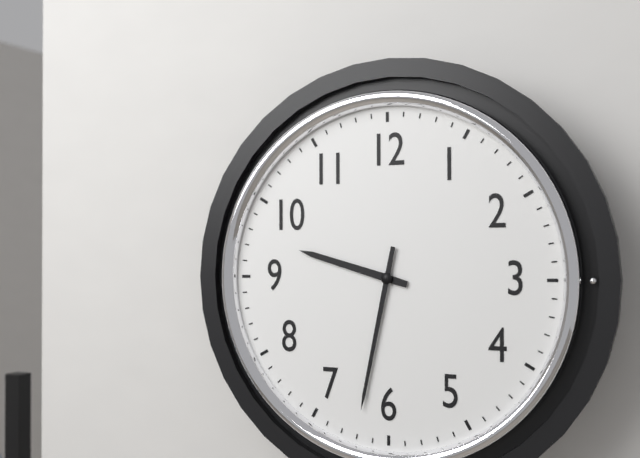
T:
9.32
